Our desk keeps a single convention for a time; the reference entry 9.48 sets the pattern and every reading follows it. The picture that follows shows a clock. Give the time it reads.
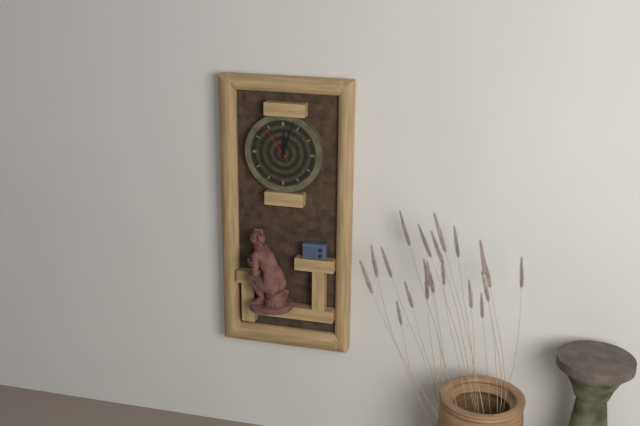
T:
12.03
